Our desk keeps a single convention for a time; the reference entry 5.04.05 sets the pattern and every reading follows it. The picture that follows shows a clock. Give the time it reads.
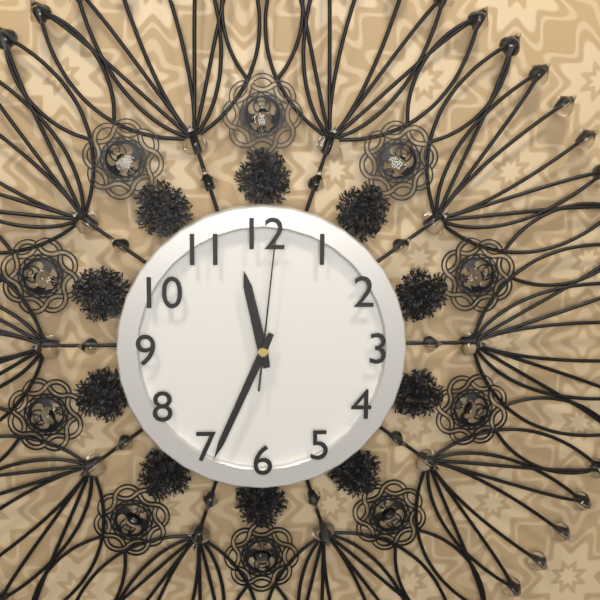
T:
11.34.01
